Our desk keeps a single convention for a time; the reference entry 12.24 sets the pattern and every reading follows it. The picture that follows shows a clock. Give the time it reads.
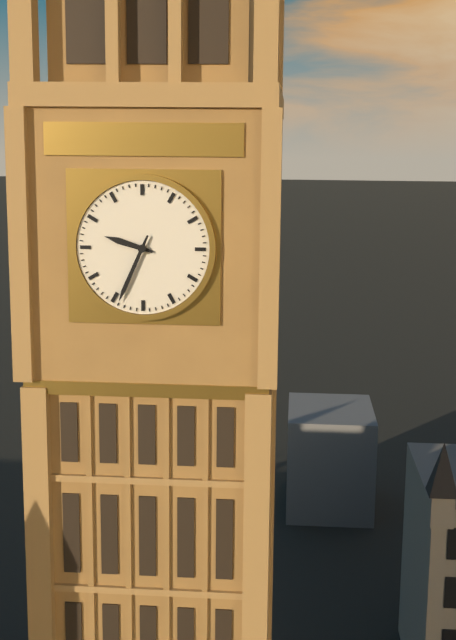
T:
9.34
